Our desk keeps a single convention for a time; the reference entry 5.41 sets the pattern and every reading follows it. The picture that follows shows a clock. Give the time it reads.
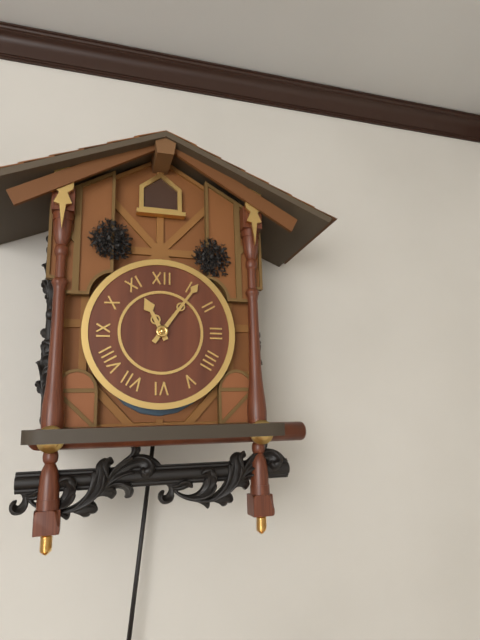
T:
11.06
